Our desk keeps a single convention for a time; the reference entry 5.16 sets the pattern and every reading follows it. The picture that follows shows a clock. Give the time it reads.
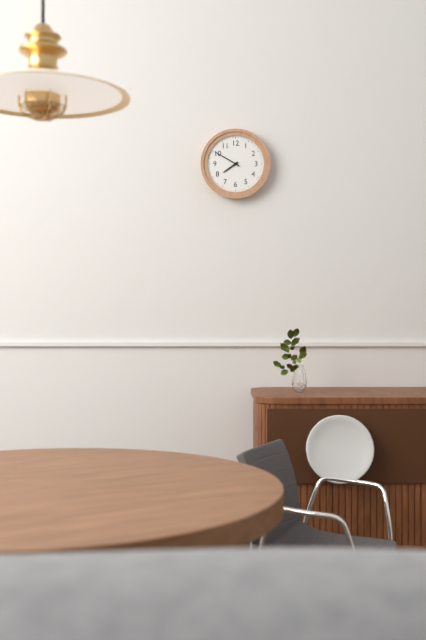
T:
7.50
